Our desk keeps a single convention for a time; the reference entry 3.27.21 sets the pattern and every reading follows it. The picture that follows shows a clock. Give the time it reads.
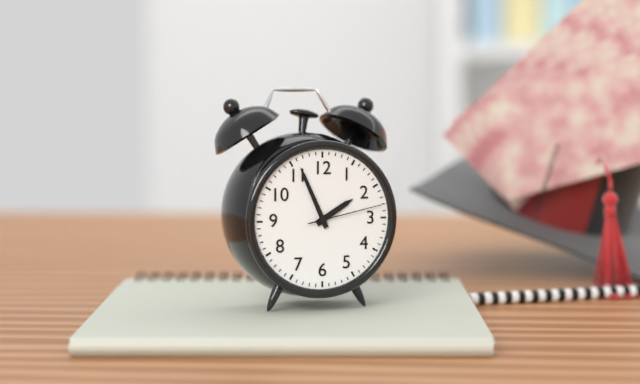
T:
1.56.13
